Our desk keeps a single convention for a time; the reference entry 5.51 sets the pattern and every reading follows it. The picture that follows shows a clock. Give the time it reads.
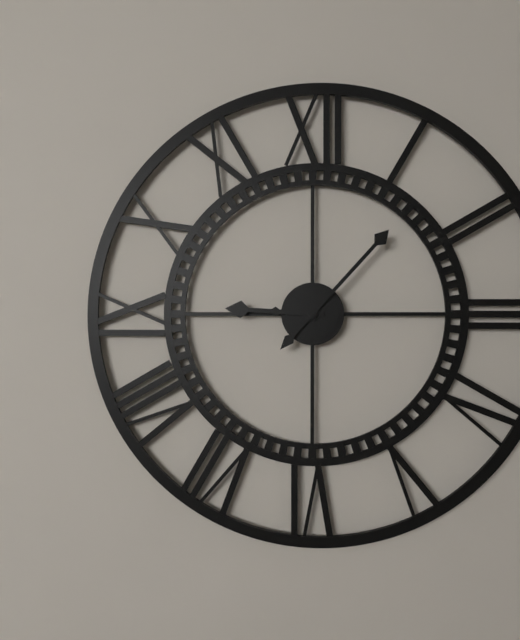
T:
9.07
